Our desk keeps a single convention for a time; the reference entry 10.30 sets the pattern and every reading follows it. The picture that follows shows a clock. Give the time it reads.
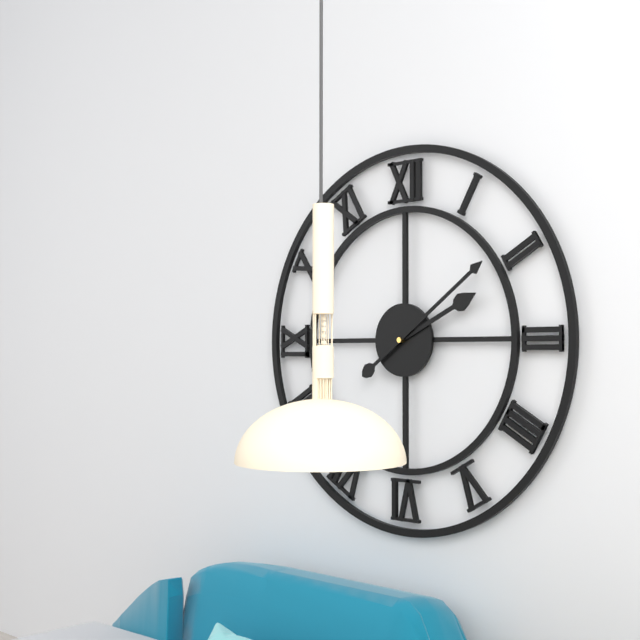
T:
2.09
